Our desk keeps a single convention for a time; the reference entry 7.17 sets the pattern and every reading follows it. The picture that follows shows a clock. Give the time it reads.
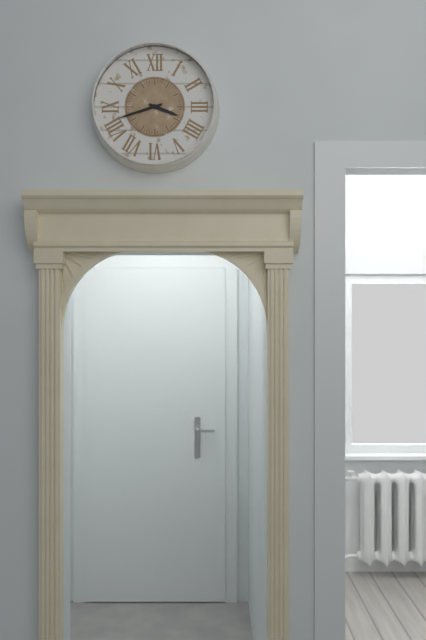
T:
3.42
